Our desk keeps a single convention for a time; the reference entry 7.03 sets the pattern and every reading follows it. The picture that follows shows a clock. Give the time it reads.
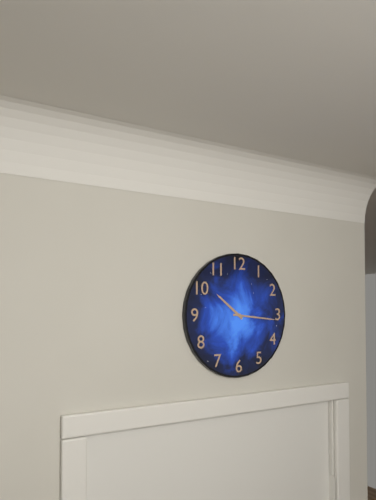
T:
10.16
